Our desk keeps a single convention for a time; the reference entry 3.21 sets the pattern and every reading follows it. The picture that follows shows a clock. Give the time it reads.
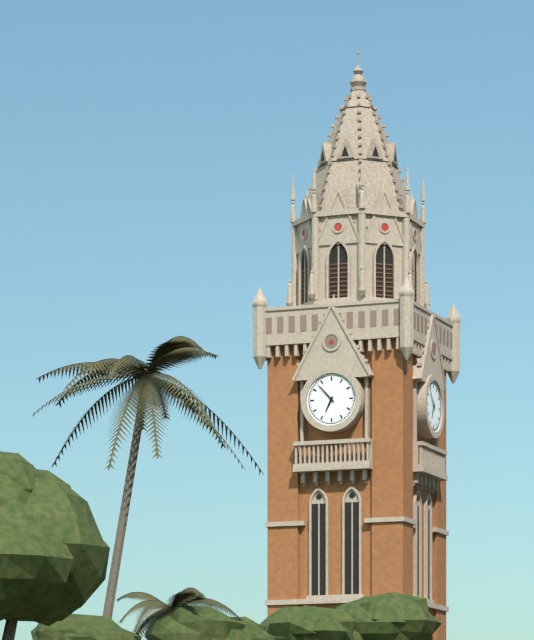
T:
6.53
